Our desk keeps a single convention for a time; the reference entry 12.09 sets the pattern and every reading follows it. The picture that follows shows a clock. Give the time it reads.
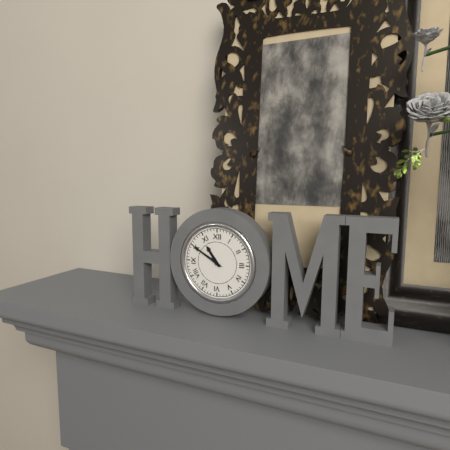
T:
10.50
